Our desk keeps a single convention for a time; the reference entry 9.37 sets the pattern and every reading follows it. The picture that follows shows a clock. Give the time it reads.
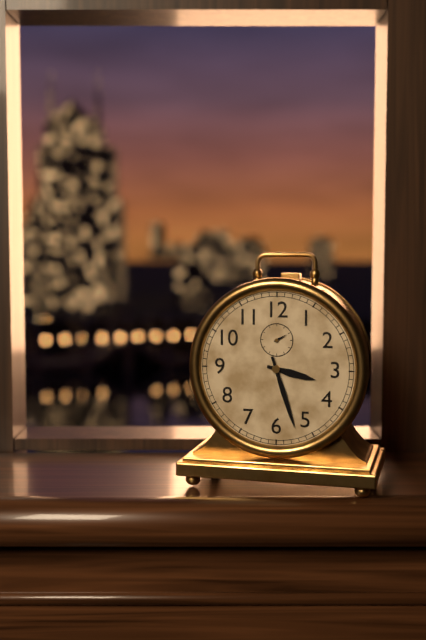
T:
3.27
